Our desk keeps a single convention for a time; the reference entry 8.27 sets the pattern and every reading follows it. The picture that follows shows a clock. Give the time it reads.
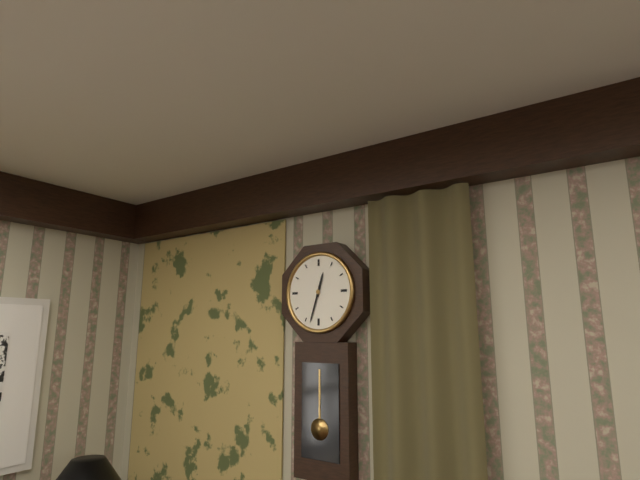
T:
12.33
